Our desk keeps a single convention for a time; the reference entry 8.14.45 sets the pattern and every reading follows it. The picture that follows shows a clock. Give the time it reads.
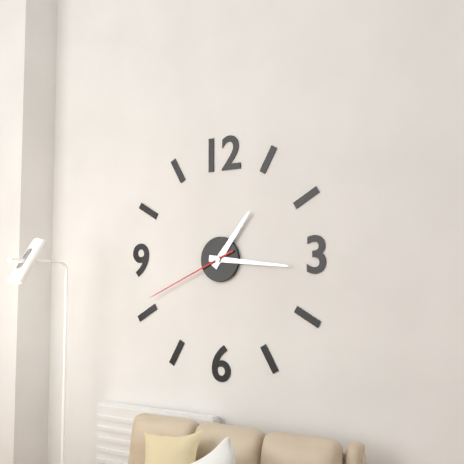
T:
1.16.41
